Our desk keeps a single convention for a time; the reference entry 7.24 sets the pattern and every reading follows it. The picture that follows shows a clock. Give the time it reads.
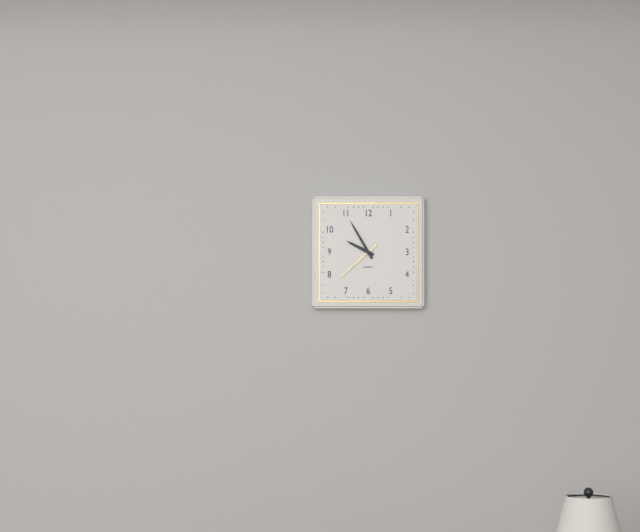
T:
9.55
